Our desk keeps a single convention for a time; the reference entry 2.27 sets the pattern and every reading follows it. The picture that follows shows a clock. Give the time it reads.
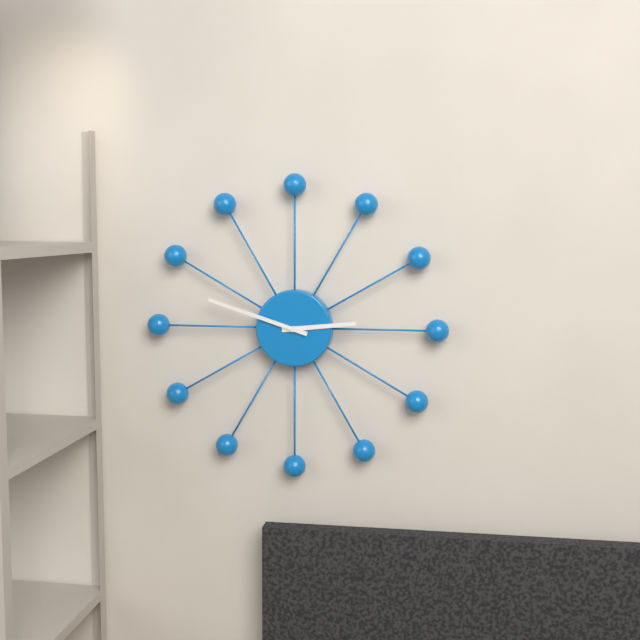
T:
2.48
